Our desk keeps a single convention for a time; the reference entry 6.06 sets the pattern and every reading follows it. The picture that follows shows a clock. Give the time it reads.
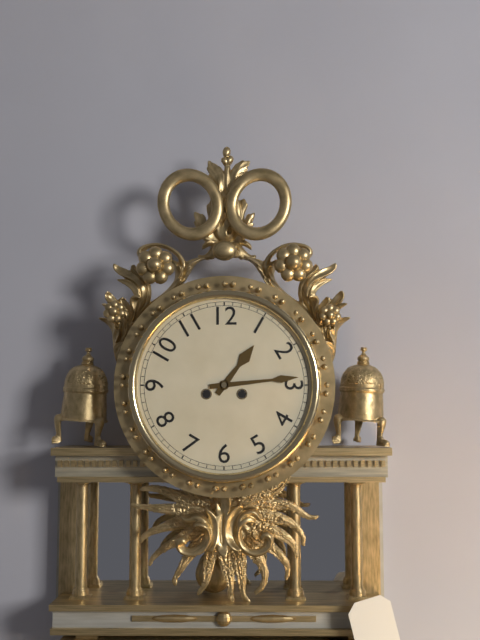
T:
1.14
